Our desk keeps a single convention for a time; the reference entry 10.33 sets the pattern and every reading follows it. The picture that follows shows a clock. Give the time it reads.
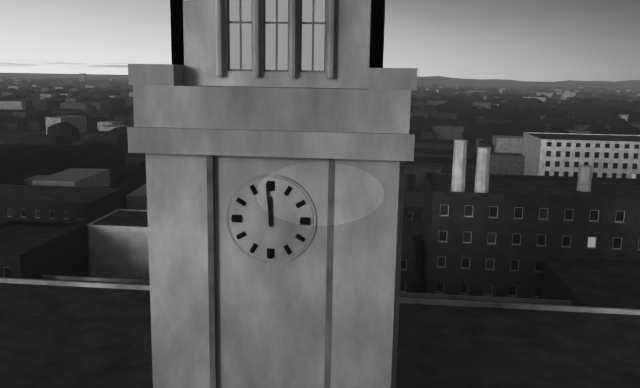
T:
11.59
